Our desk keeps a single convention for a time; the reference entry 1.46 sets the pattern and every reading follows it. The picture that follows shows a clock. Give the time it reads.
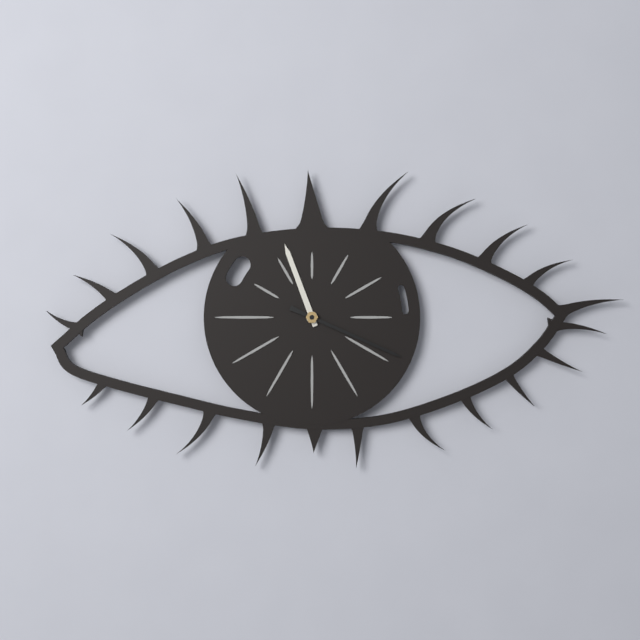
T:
11.19
